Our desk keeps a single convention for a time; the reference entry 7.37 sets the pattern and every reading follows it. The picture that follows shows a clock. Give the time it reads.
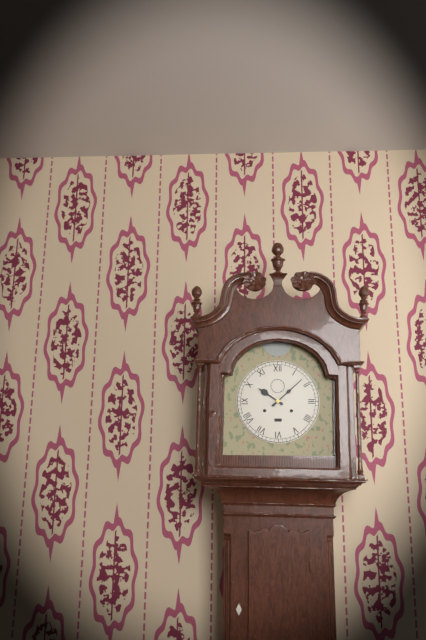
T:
10.08
